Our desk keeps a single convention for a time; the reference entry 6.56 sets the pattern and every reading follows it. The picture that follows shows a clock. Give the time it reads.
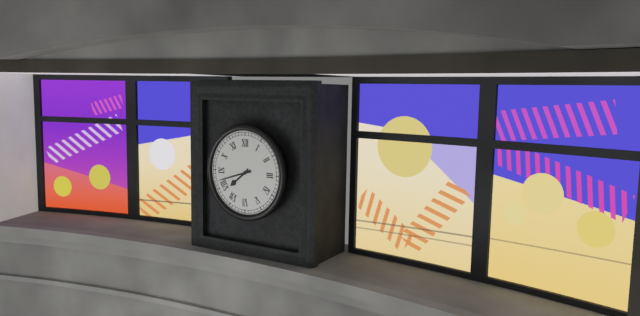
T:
7.42
